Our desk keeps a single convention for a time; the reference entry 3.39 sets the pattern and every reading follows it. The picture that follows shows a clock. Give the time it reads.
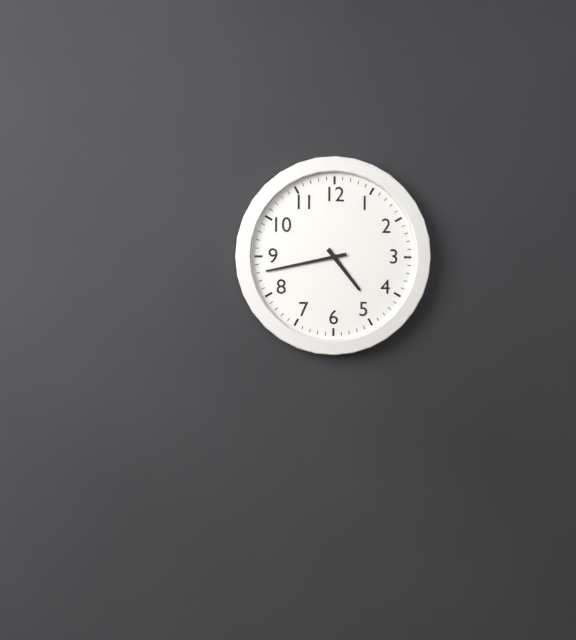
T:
4.43
